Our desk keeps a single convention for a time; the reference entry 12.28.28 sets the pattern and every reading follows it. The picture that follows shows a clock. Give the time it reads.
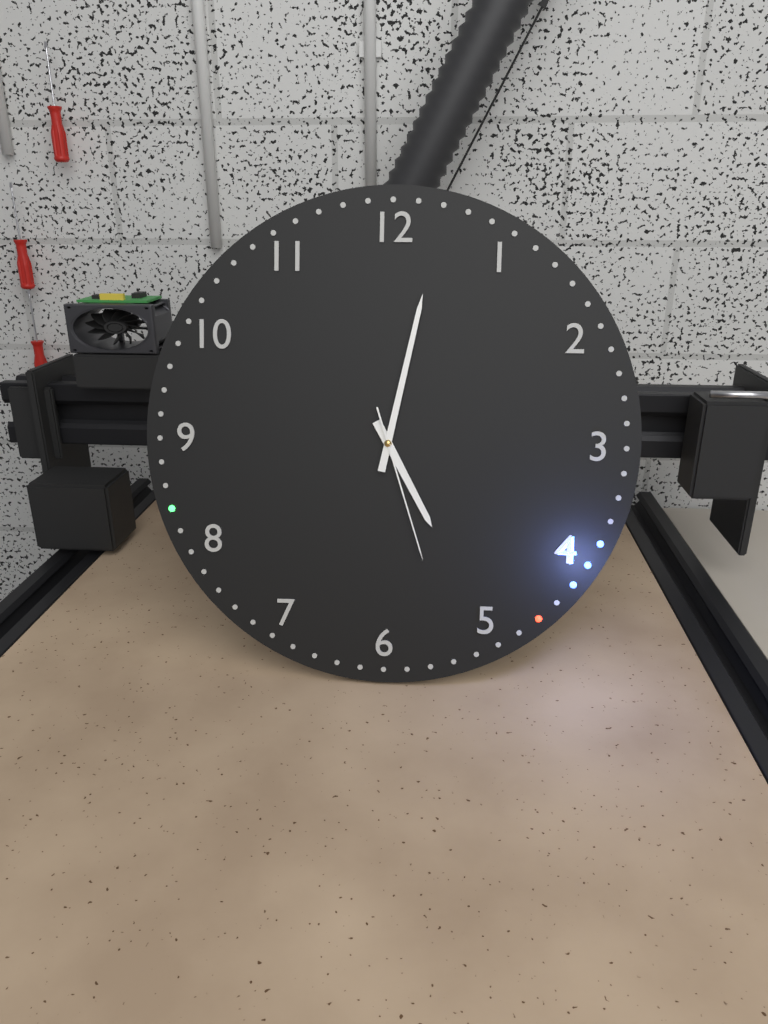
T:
5.02.27
